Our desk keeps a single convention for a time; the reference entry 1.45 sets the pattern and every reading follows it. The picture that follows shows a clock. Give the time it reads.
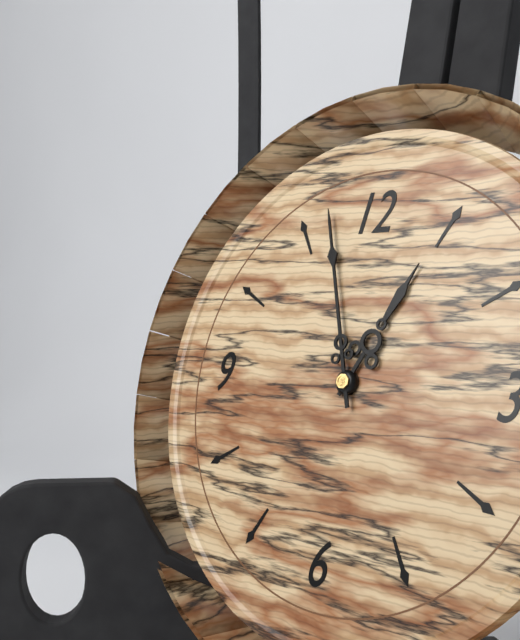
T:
12.57
